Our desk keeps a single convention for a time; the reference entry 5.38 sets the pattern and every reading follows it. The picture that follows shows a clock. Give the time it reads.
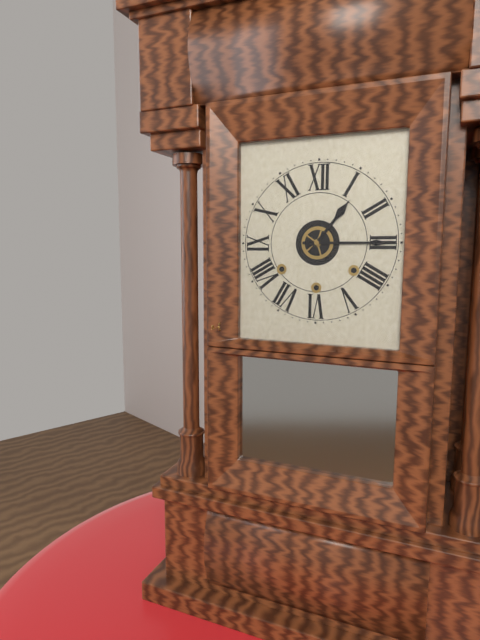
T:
1.15
